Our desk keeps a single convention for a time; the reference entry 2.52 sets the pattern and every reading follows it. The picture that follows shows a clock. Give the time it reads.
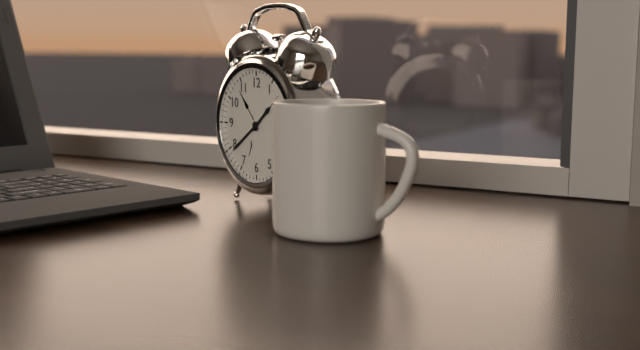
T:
1.39
